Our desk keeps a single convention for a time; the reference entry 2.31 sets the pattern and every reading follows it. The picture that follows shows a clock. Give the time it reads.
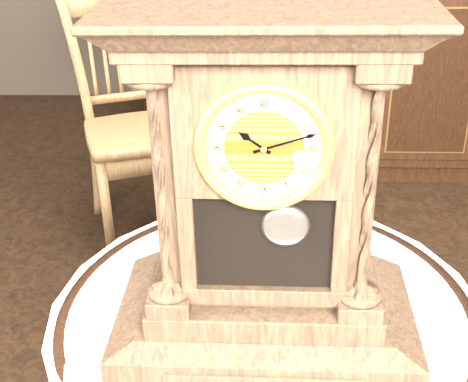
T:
10.12
